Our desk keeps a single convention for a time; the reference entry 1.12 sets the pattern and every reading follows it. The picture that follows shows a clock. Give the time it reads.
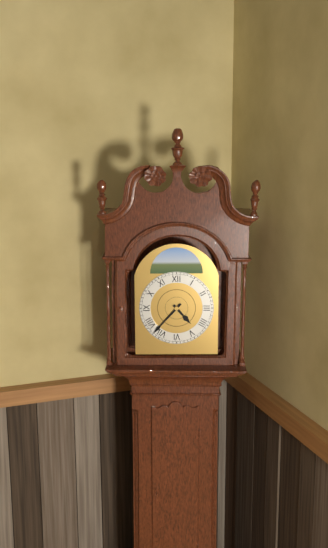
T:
4.37
